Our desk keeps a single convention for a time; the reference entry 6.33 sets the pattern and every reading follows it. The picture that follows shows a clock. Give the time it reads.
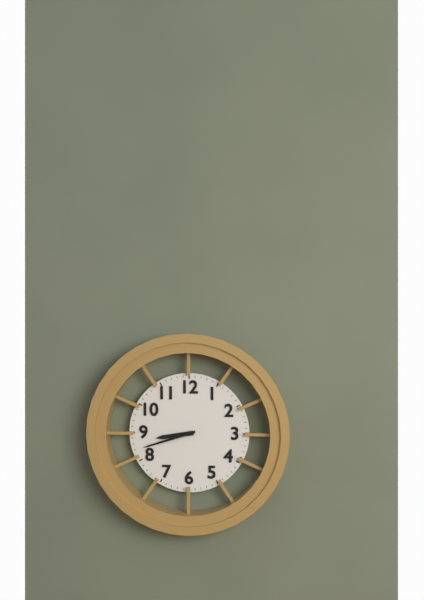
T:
8.42
